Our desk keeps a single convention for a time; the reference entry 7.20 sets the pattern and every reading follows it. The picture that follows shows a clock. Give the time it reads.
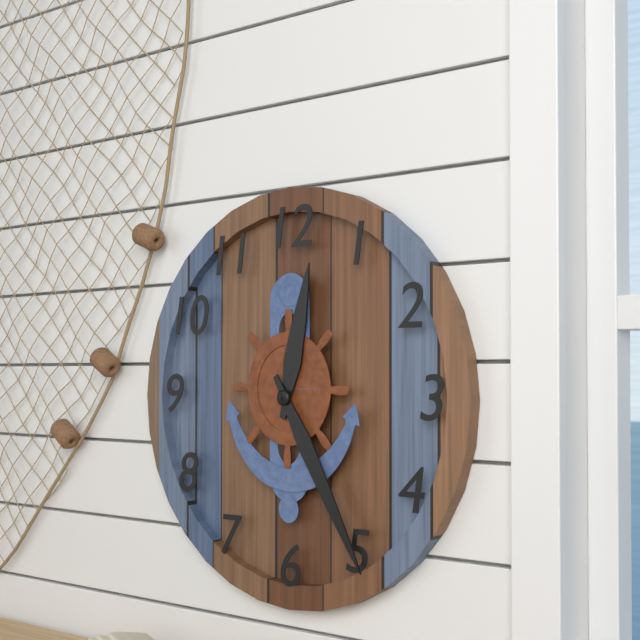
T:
12.25
